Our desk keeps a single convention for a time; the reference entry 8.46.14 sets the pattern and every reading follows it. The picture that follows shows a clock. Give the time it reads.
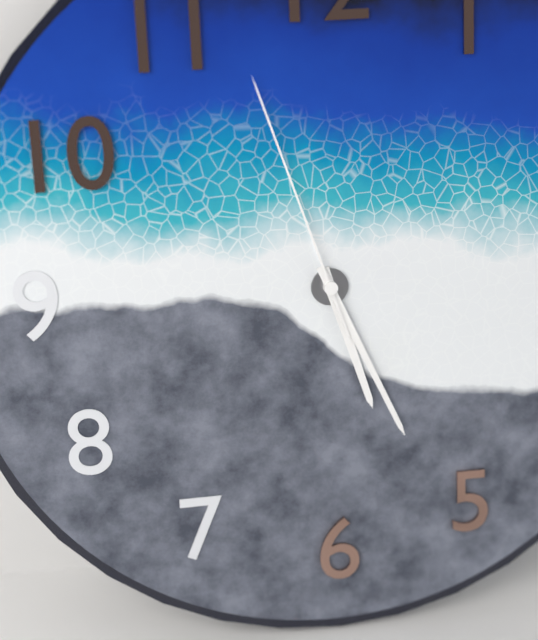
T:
5.26.57
